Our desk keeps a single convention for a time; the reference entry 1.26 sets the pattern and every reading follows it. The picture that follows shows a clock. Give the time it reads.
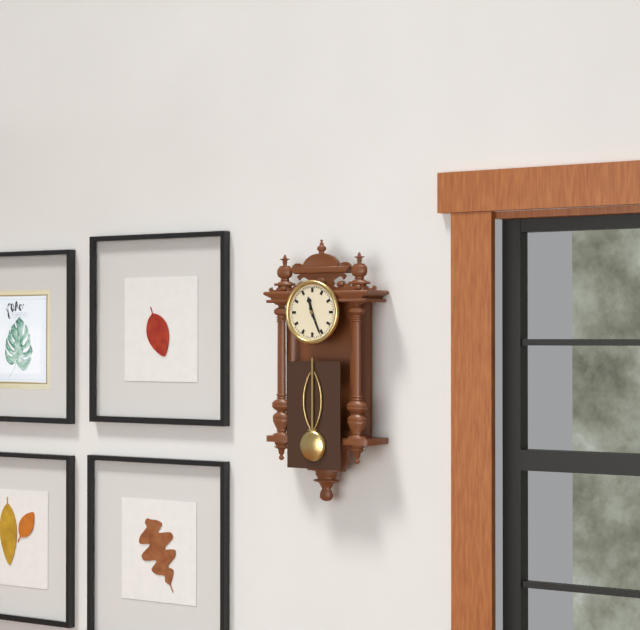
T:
11.26
